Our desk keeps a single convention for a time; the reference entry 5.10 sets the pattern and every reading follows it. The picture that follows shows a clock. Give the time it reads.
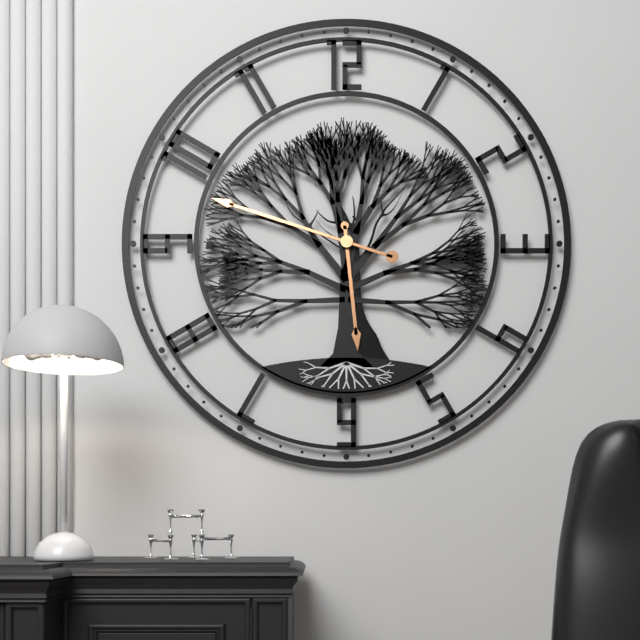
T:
5.48
